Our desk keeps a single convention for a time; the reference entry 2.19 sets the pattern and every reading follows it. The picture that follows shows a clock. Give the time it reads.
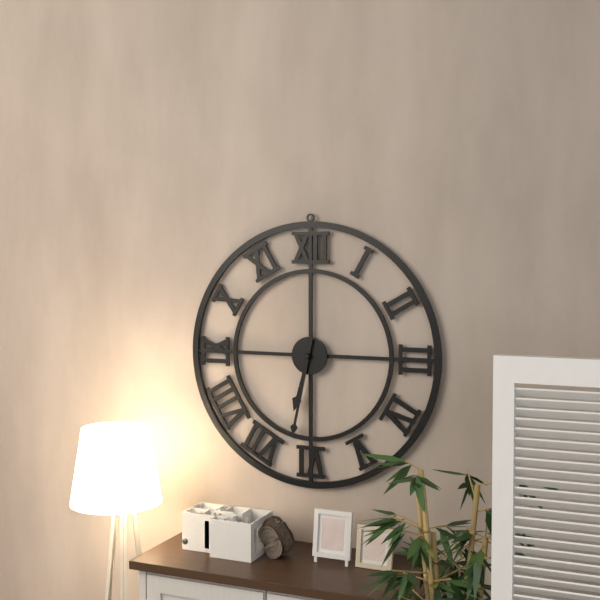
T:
6.32
